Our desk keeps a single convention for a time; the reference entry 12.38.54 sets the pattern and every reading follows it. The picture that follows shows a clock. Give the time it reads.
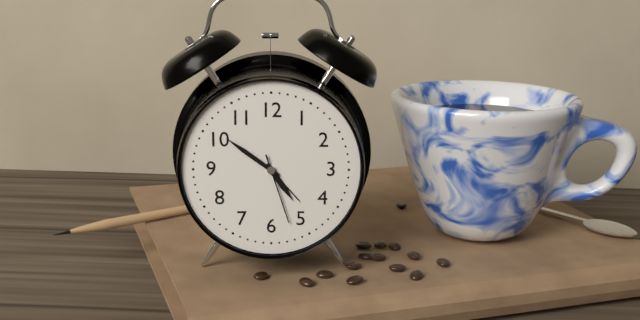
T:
4.51.27
